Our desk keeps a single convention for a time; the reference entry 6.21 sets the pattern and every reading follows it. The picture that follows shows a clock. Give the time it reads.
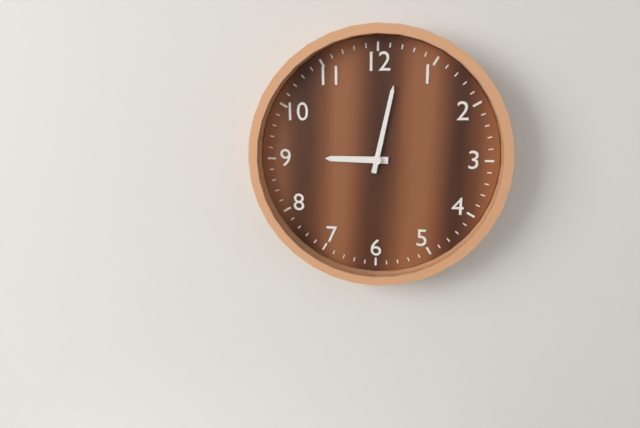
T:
9.02
